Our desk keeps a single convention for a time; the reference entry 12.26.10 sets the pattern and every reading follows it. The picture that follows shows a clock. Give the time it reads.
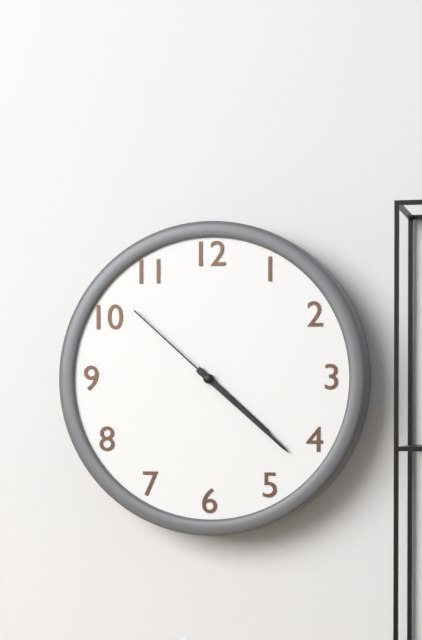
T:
4.22.52
